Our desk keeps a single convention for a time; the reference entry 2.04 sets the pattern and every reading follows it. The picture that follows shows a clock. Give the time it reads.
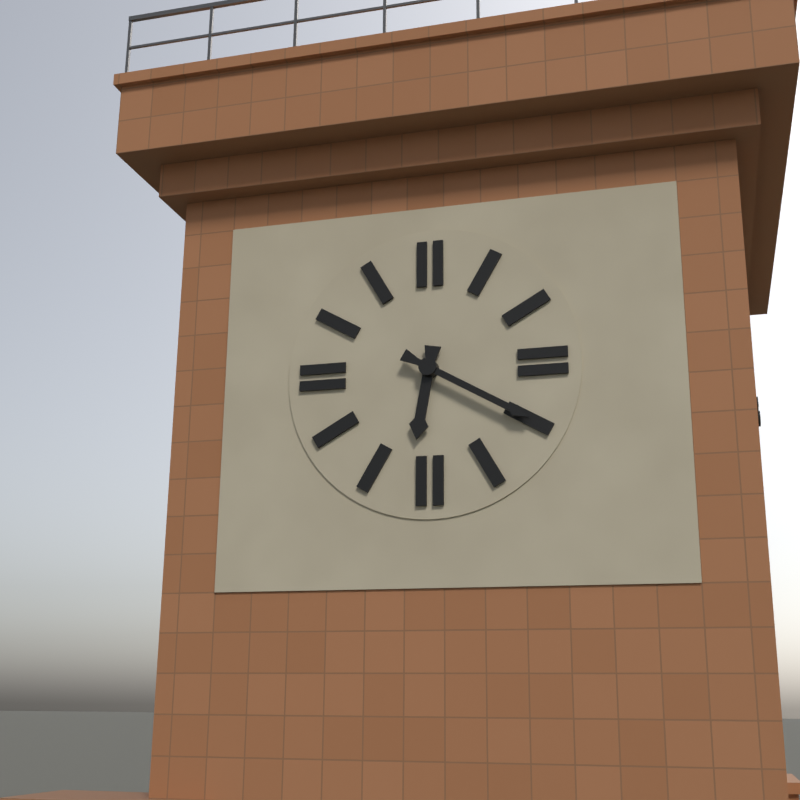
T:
6.20
